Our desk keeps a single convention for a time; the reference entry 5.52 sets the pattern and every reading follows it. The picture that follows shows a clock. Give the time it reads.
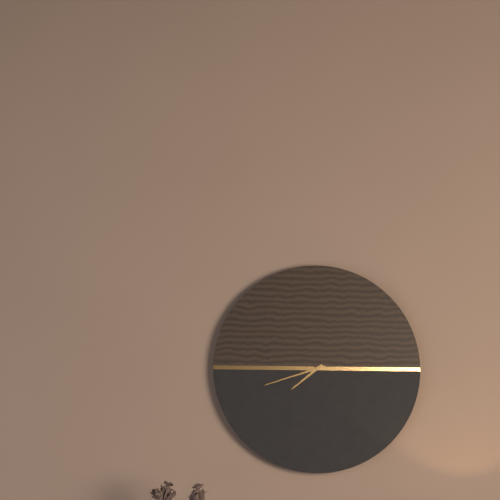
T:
7.42
